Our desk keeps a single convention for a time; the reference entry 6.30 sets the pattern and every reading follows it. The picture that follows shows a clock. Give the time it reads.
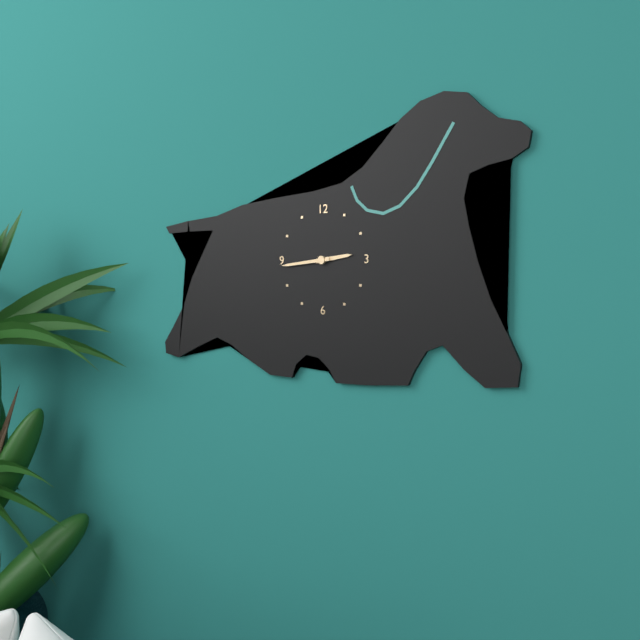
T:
2.44
